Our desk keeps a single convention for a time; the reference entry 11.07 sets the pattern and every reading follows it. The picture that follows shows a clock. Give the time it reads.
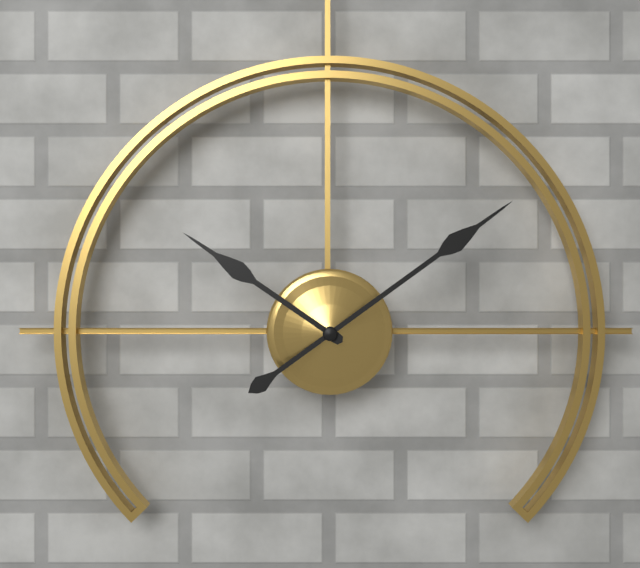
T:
10.09
